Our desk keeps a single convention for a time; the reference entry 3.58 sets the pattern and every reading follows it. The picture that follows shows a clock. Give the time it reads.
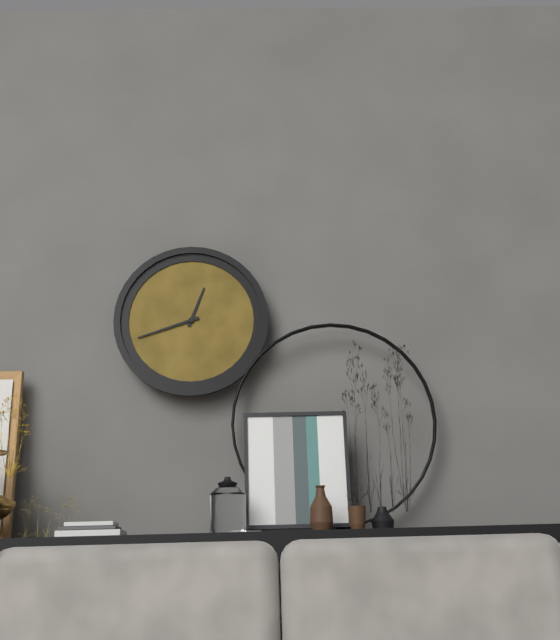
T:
12.42
